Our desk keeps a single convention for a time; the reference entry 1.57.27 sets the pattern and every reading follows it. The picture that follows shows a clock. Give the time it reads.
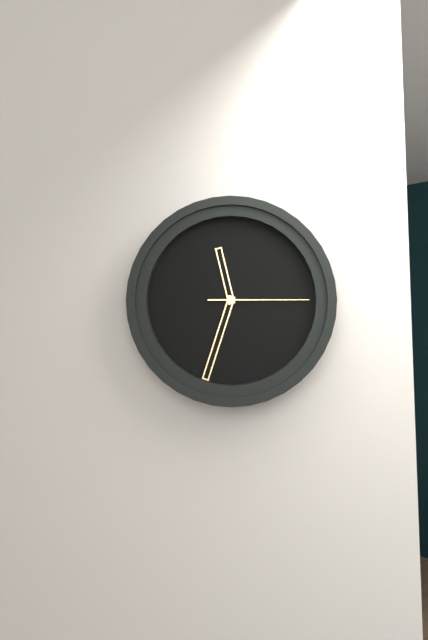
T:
11.33.15
